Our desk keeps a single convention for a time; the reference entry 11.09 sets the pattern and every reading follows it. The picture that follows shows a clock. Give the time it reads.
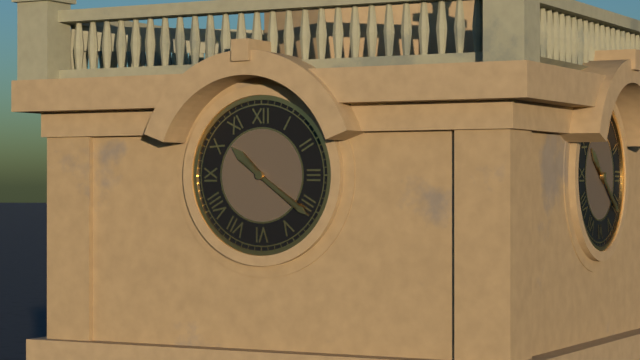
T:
10.21
